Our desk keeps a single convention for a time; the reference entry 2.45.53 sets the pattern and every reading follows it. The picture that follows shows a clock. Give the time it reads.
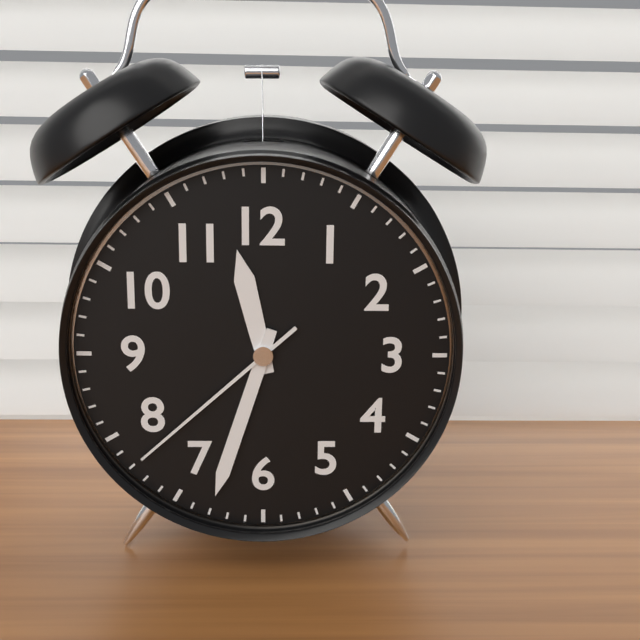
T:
11.33.38
